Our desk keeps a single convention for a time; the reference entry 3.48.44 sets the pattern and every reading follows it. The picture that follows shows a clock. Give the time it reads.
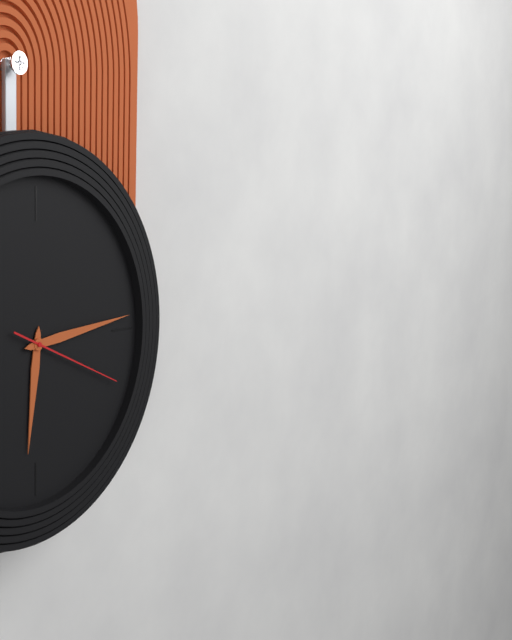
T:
6.14.19
